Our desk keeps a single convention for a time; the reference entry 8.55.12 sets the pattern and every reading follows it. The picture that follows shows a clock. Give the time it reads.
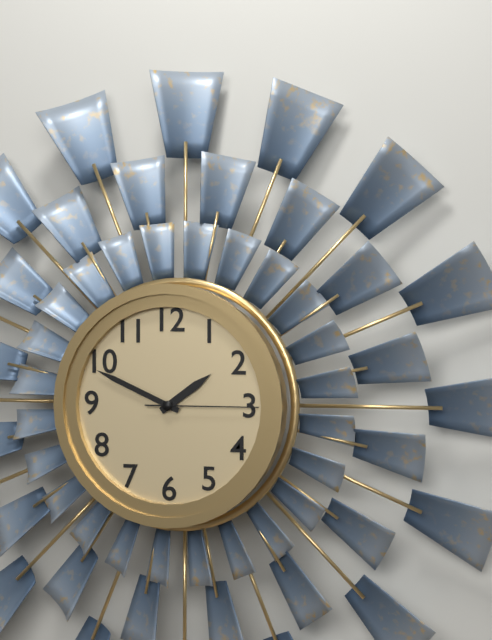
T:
1.49.15
